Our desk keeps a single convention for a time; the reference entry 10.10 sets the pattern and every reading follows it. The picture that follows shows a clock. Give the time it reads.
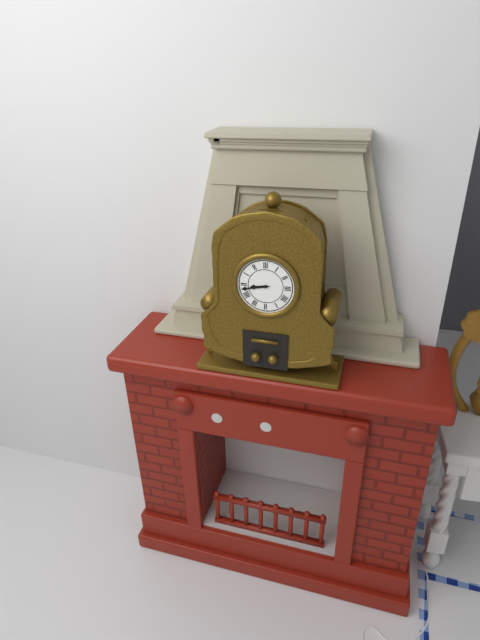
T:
8.43
